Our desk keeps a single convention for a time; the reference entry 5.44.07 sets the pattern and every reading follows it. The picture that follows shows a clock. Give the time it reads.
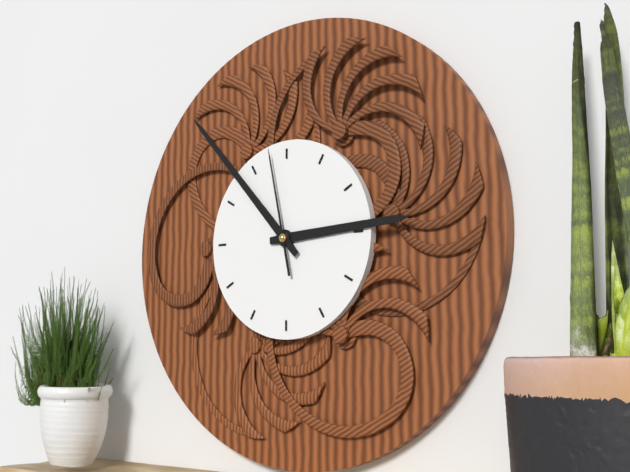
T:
2.53.58
